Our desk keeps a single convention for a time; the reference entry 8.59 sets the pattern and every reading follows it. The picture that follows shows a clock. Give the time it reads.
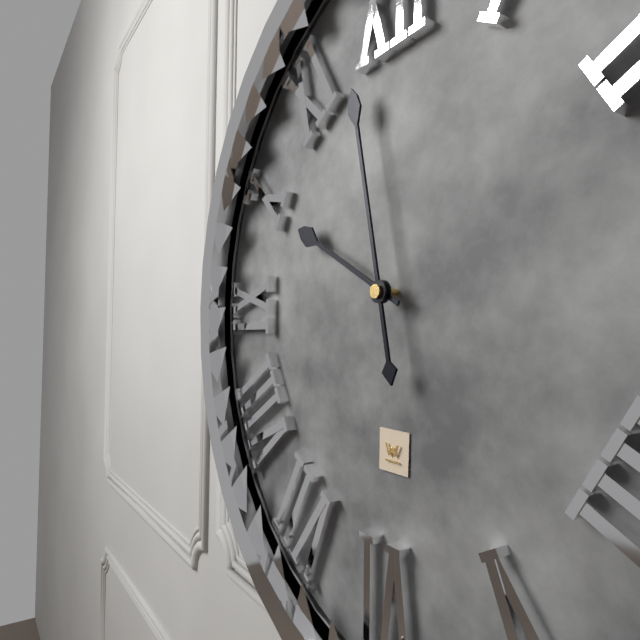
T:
9.58
